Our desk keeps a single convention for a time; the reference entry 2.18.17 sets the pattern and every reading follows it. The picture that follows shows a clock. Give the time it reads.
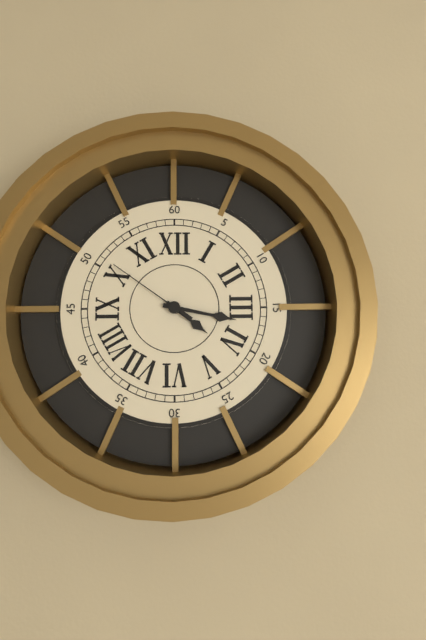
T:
4.17.51
